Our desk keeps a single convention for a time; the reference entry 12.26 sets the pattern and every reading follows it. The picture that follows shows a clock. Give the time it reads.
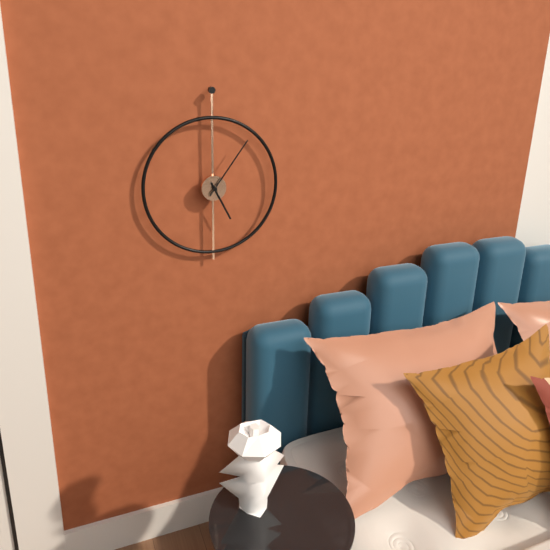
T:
5.06
